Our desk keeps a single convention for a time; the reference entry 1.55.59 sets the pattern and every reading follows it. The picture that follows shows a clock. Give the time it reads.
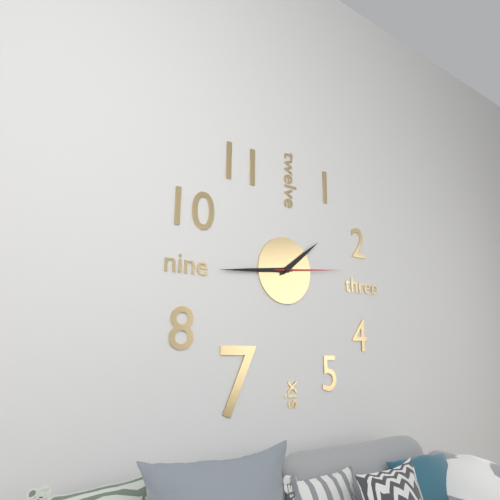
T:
1.44.14
